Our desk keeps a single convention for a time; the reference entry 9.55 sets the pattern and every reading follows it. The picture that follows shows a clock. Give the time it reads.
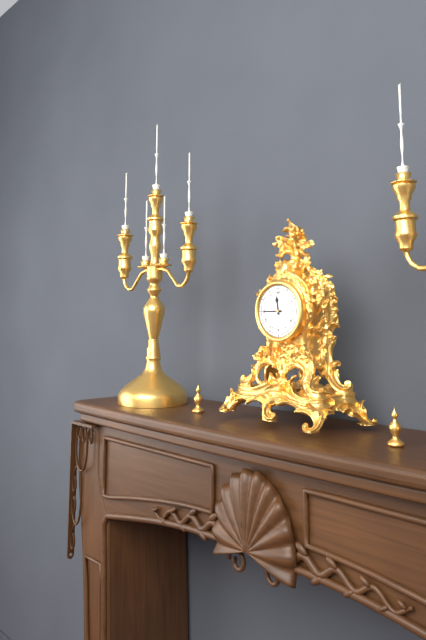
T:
11.45
